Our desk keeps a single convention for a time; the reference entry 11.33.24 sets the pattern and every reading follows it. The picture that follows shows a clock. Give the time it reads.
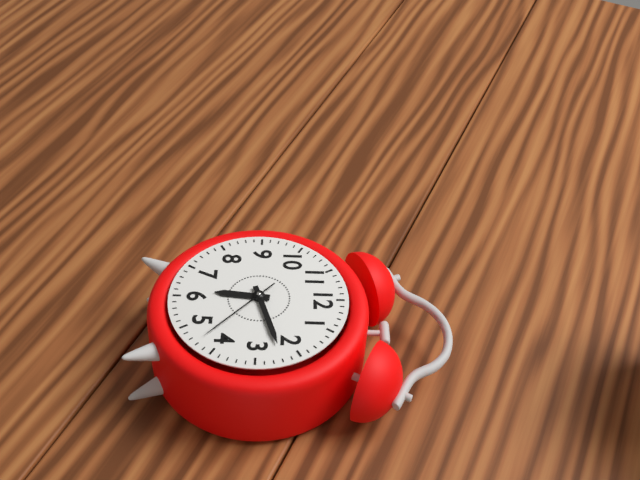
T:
6.12.22
